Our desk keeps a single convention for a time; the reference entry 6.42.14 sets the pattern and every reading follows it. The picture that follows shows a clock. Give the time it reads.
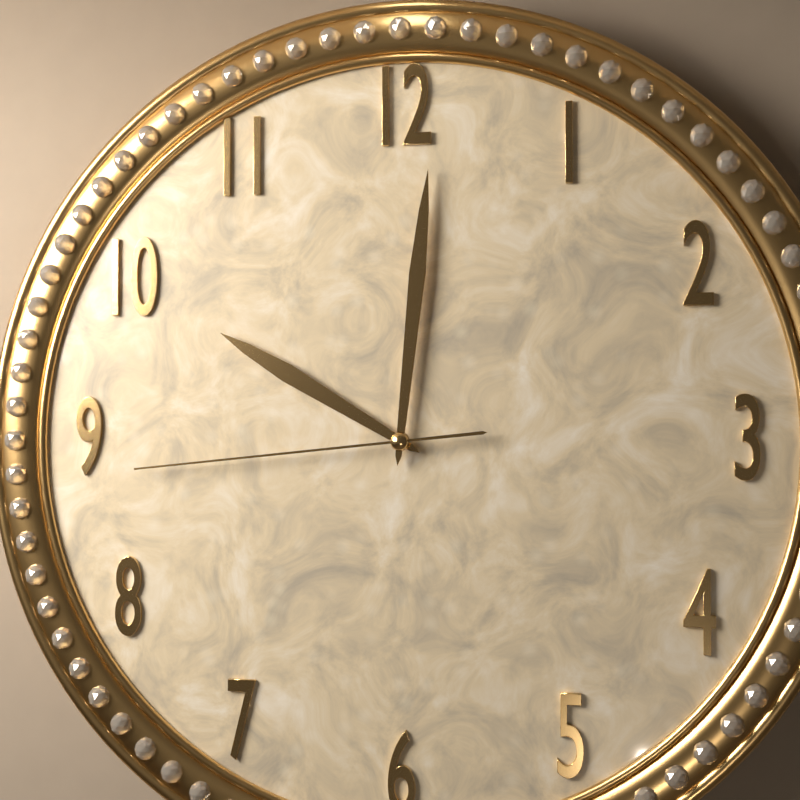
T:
10.01.44
